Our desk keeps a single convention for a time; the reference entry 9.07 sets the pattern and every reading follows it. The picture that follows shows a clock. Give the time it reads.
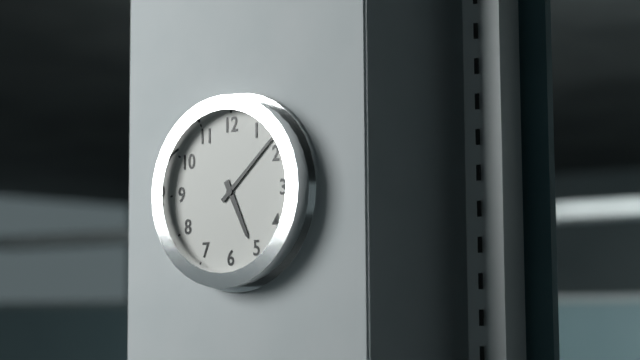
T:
5.08
